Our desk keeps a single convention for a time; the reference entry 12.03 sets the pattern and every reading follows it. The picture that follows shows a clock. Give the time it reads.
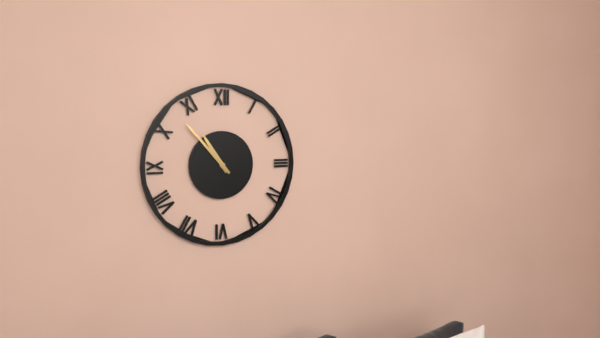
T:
10.53
